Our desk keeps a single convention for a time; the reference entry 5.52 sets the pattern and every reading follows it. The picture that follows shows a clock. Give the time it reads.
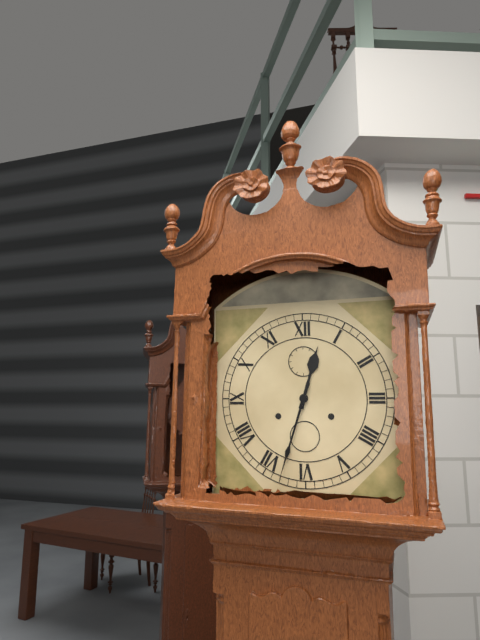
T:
12.33
